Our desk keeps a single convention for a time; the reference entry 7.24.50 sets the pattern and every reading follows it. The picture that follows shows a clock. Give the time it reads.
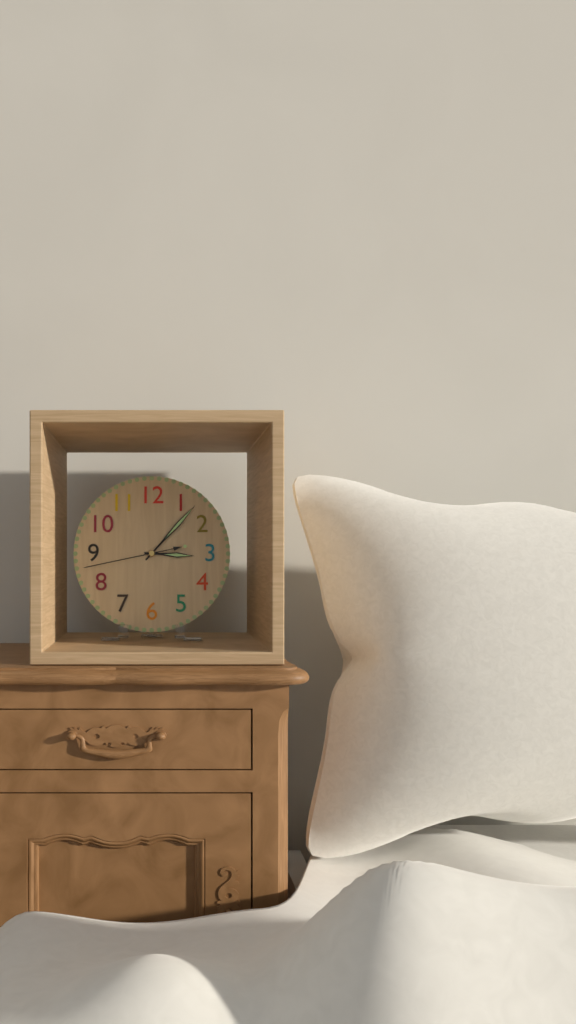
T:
3.07.43
